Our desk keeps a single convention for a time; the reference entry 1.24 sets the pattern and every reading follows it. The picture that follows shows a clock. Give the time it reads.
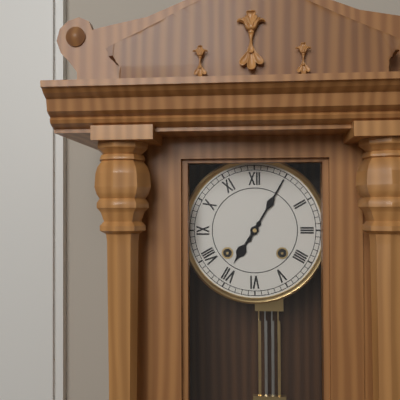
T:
7.05
